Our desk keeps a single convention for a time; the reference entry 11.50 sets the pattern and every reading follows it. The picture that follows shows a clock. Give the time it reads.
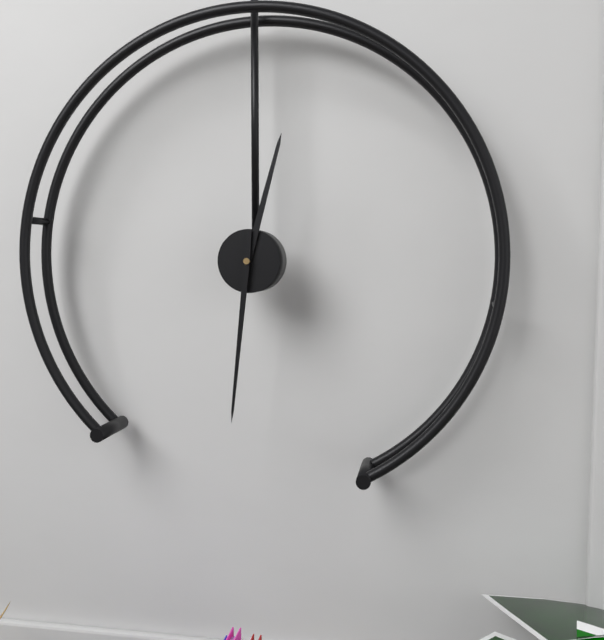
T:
12.31
